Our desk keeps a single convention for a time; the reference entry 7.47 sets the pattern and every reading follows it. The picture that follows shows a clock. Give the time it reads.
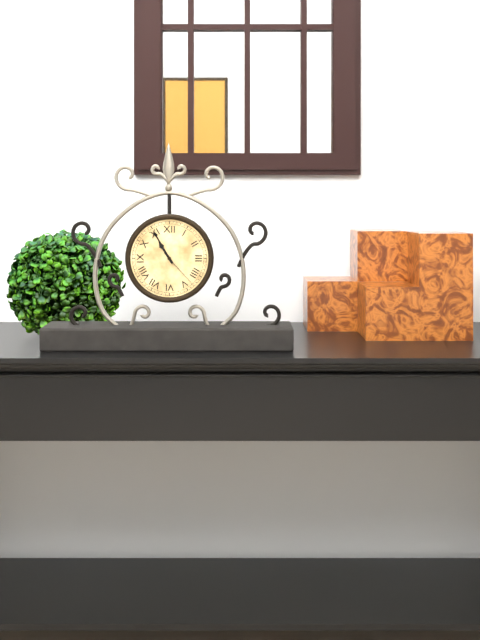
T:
10.55
